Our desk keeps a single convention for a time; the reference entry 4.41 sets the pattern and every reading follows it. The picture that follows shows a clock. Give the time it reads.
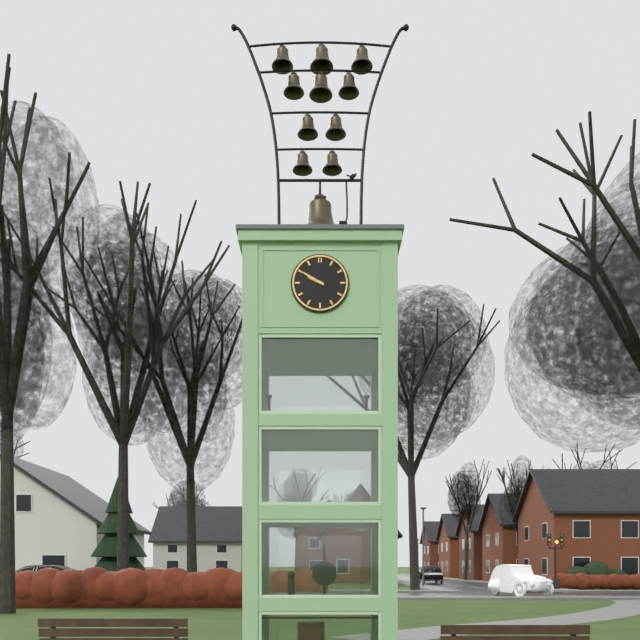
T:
9.50
